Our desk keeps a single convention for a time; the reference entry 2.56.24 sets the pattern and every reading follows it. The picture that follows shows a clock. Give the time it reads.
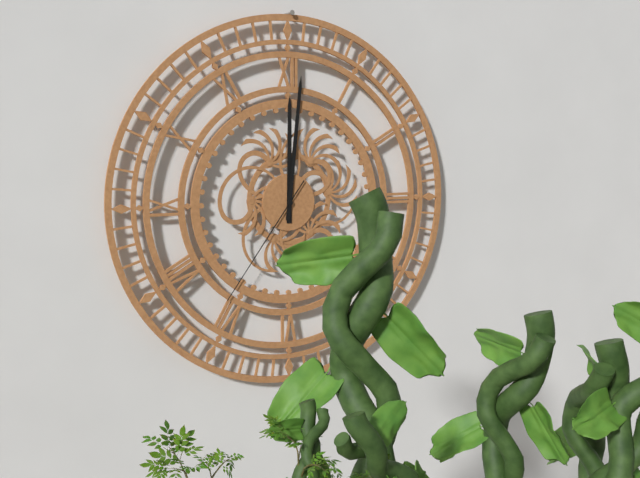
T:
12.01.36
